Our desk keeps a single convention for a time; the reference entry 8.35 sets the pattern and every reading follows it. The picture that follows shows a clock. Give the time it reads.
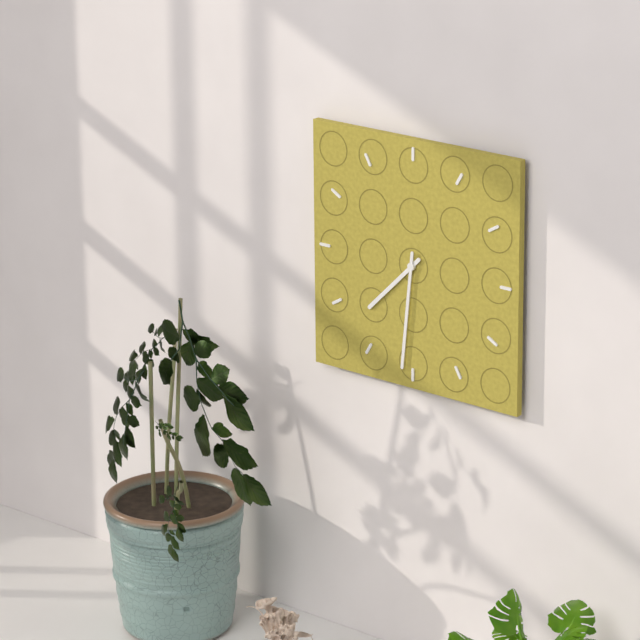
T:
7.31
